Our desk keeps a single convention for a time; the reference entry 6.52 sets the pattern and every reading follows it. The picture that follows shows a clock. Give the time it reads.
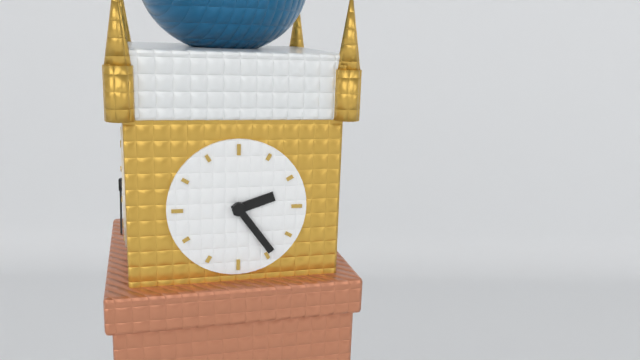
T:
2.24
